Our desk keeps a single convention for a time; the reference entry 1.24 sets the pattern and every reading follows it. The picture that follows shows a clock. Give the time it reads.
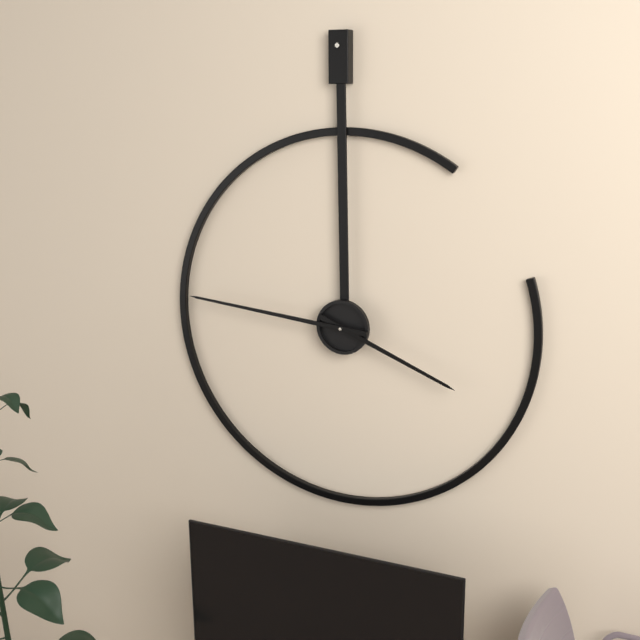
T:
3.46
